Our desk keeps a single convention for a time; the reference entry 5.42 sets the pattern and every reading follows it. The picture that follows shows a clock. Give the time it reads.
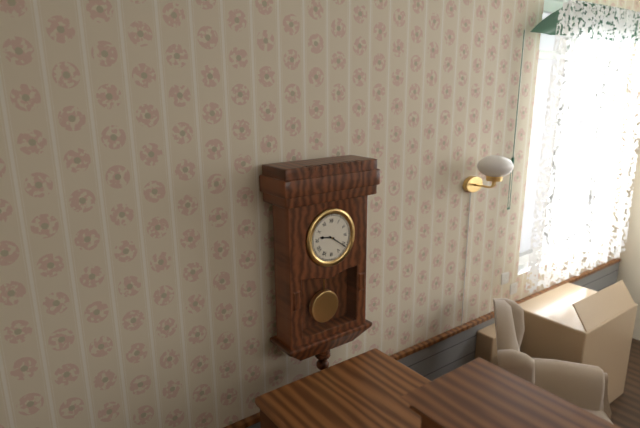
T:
9.21
